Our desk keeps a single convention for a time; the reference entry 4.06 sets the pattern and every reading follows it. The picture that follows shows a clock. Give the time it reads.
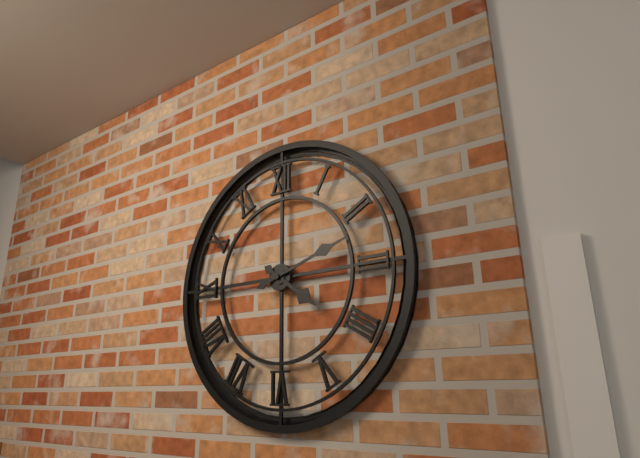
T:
4.12
